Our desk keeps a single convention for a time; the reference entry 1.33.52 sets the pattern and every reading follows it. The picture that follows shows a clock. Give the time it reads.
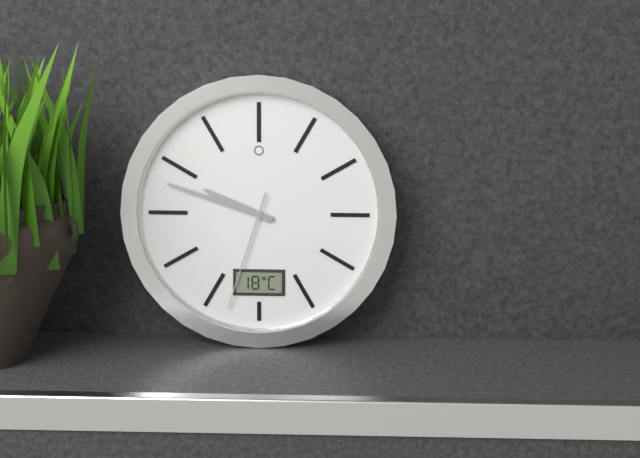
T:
9.48.33
